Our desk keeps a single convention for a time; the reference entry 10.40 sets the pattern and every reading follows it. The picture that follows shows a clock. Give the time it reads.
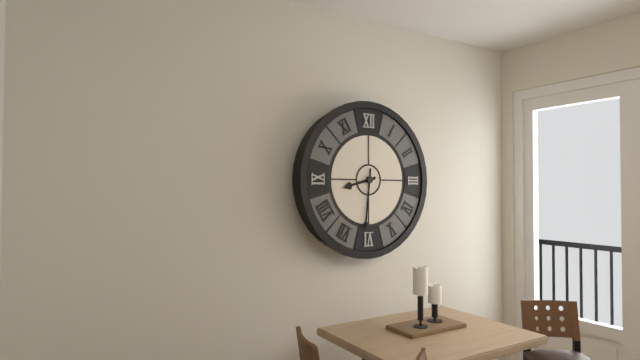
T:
8.31
